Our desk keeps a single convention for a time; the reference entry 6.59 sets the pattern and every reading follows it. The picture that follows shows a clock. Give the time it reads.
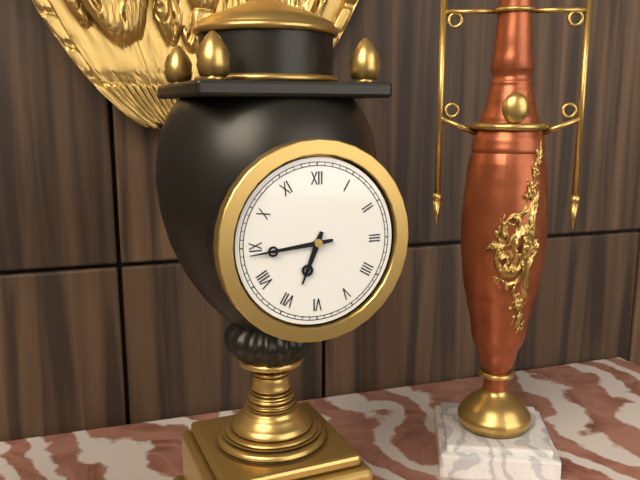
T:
6.44
